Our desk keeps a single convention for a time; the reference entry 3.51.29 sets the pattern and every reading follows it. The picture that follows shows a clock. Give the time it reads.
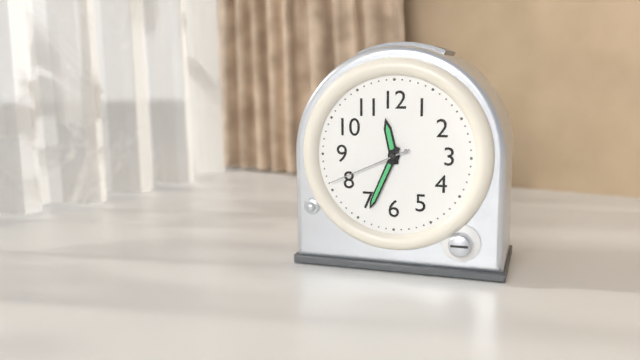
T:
11.34.41
